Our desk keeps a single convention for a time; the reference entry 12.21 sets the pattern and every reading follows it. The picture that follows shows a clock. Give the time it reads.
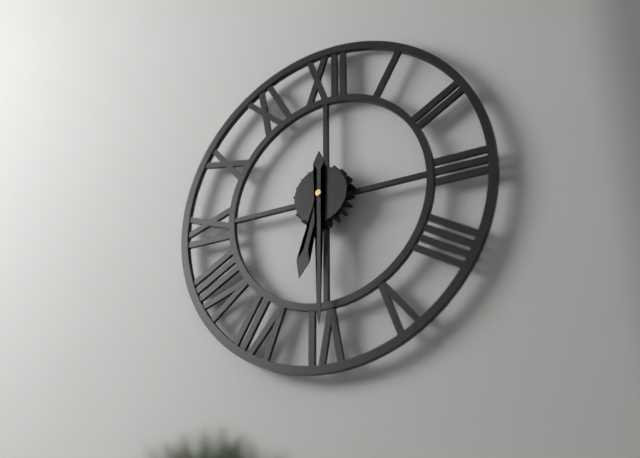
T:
6.30
